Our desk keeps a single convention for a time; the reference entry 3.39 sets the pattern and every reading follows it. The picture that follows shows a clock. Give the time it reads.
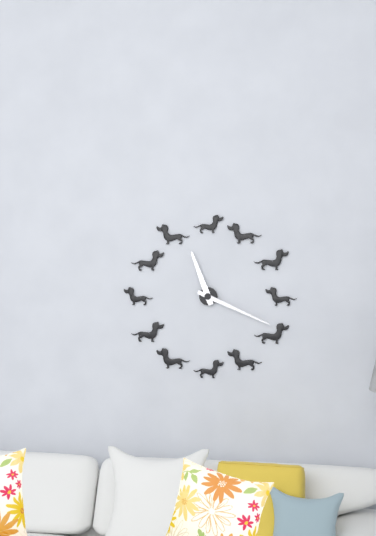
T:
11.19
